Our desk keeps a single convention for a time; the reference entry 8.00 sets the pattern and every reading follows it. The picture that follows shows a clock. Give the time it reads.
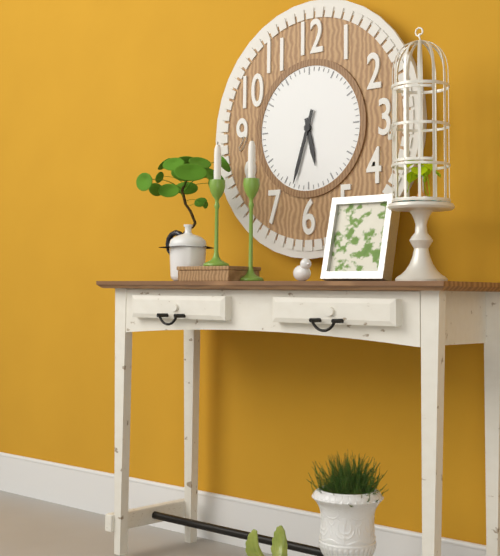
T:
5.33
